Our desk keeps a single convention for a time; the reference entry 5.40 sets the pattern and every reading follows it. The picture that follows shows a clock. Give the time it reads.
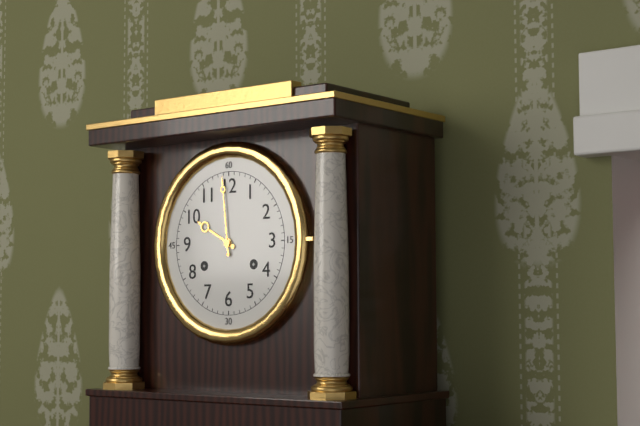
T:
9.59
